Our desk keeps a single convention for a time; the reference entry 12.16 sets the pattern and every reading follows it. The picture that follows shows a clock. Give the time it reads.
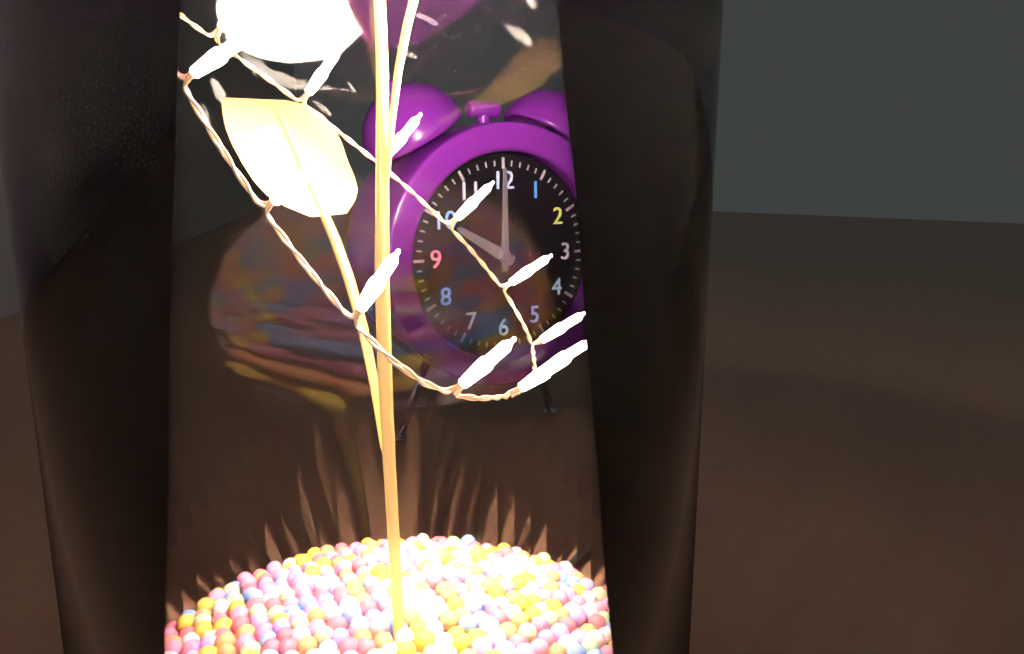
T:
10.00
